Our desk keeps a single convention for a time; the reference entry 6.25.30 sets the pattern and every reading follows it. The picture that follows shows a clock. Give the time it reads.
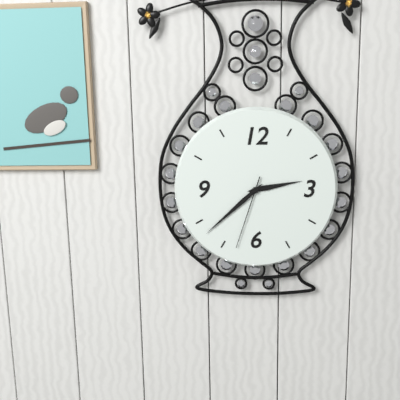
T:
2.38.33
